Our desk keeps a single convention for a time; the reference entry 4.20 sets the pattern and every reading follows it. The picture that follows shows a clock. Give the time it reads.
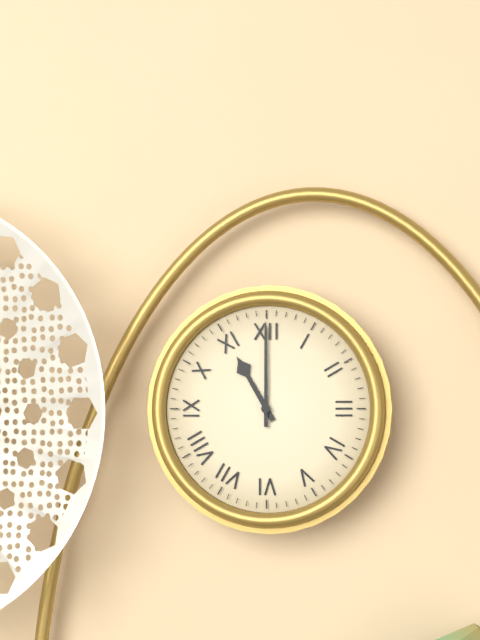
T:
11.00
